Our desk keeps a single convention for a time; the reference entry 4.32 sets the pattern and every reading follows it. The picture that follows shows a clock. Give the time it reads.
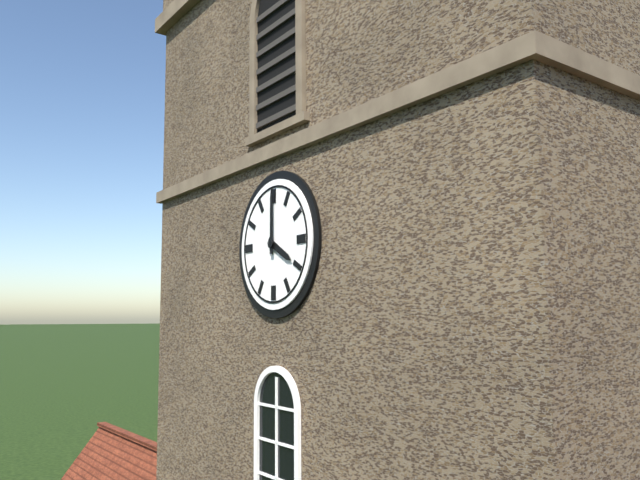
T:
4.00
